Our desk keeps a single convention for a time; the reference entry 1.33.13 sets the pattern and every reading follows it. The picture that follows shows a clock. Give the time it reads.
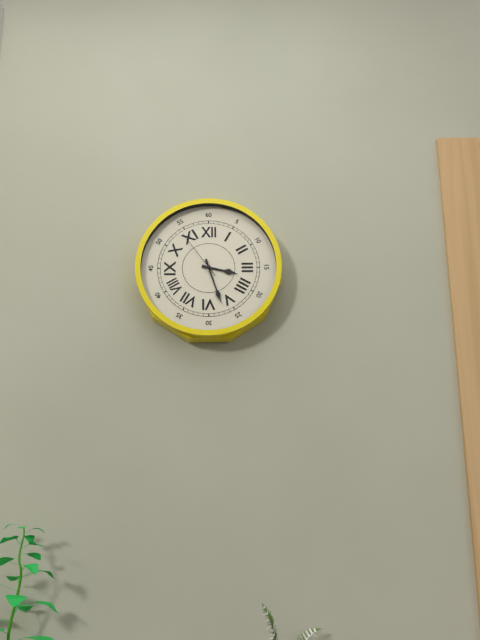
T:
3.27.54
